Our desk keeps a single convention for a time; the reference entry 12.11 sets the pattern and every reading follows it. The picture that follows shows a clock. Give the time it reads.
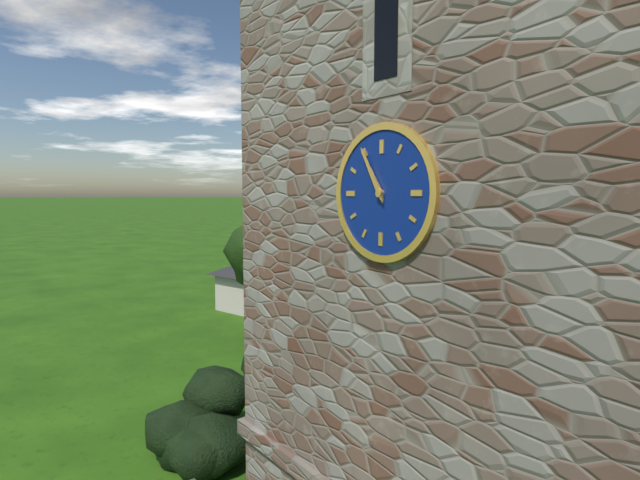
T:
10.55
